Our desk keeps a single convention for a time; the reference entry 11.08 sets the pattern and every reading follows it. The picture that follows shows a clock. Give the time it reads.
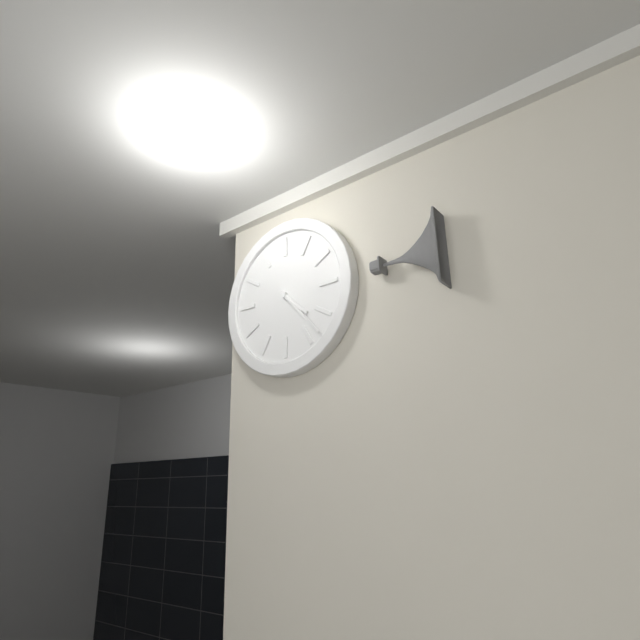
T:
4.23
